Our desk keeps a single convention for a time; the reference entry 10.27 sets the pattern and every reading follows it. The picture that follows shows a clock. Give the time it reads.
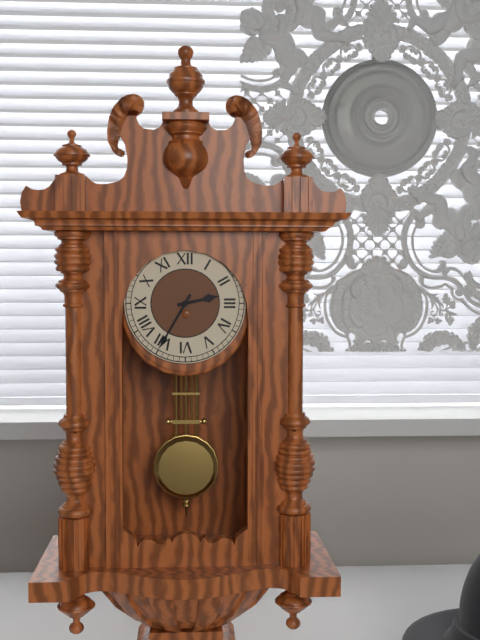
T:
2.35
